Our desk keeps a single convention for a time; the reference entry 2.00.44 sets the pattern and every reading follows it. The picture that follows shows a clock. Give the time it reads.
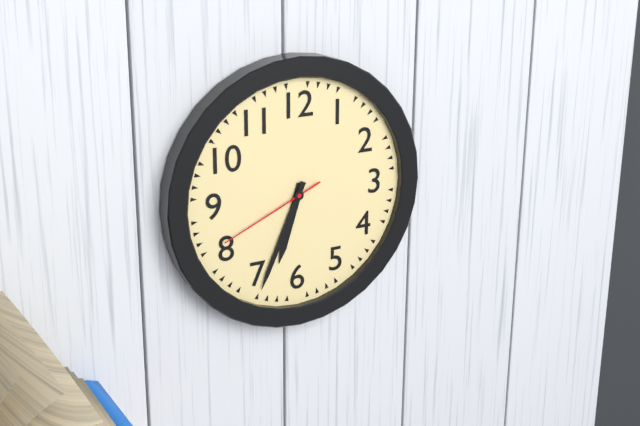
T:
6.34.41
